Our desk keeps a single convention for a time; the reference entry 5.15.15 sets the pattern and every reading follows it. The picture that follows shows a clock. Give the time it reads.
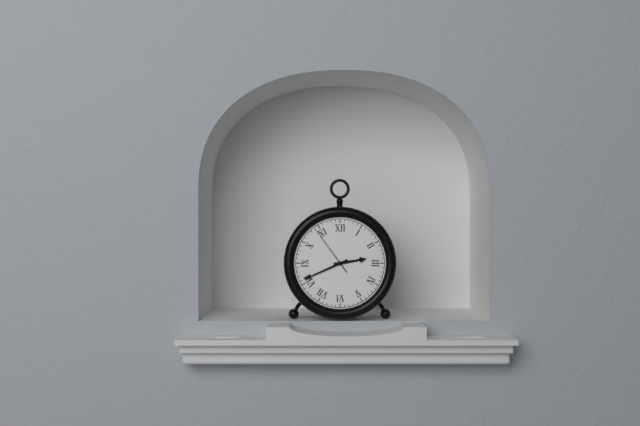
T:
2.41.54
